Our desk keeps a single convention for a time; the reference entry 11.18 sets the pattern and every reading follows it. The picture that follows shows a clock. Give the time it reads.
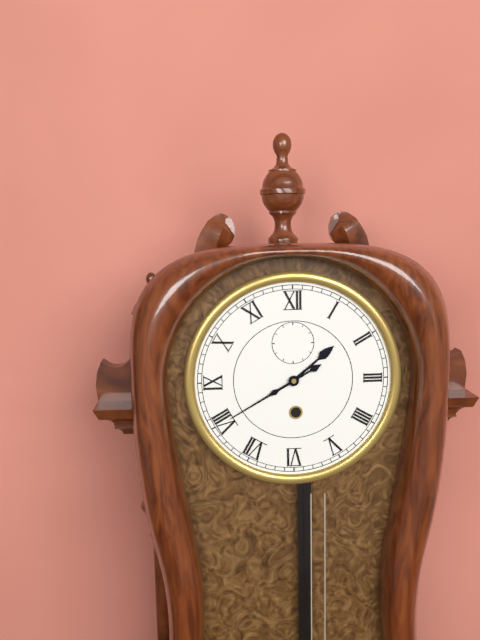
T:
1.40
